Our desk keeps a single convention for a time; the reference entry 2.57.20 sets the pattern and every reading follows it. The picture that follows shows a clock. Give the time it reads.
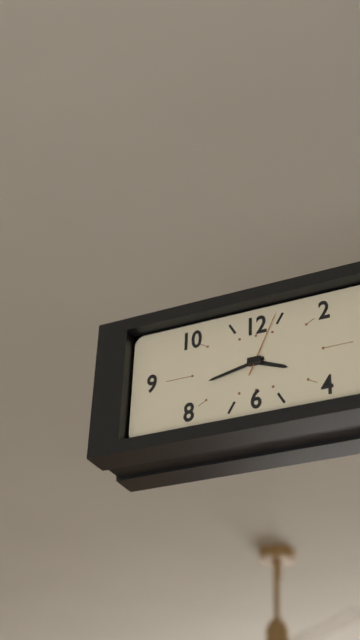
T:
3.43.04
